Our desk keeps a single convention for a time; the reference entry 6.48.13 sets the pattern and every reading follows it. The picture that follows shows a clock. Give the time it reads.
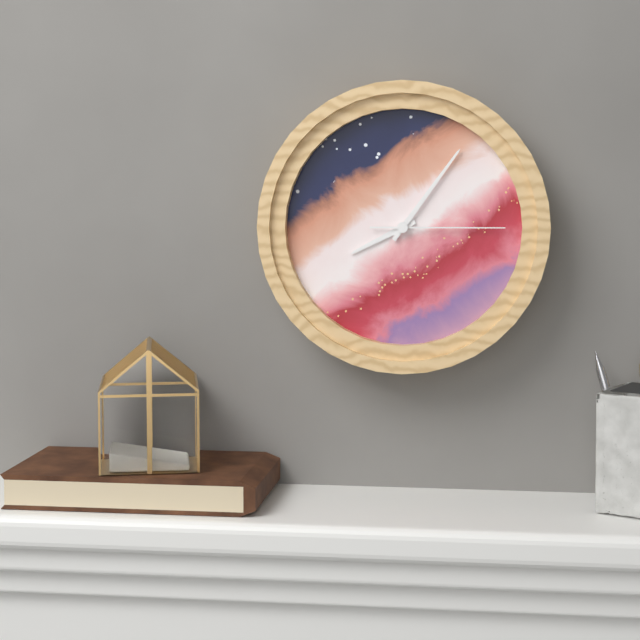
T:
8.06.15
